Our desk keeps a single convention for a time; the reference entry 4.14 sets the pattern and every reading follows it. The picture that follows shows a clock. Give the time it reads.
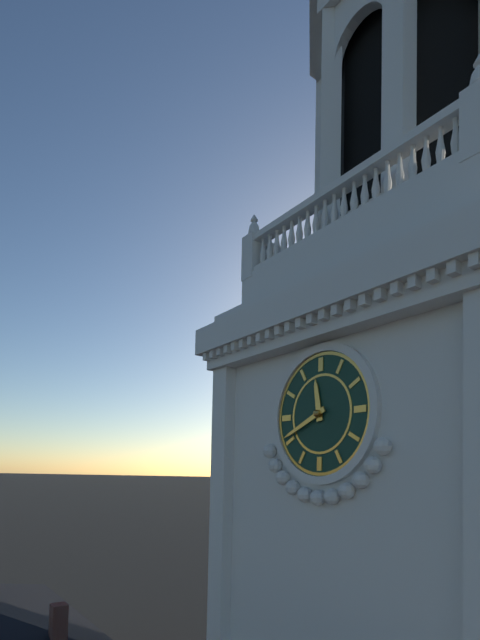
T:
11.41
